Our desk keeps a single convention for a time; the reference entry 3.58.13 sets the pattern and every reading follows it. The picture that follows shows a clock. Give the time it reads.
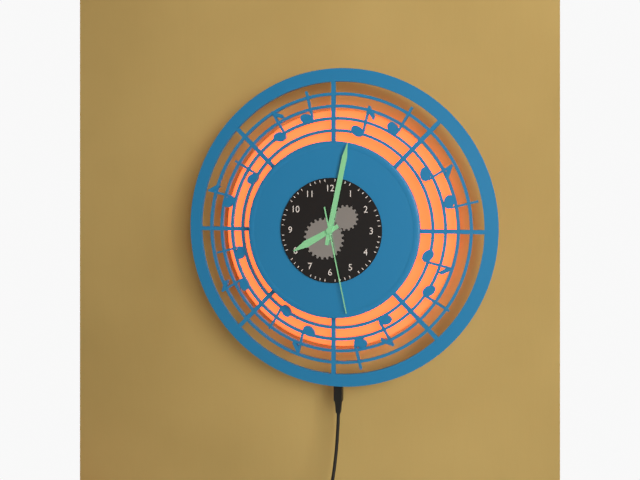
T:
8.02.28
